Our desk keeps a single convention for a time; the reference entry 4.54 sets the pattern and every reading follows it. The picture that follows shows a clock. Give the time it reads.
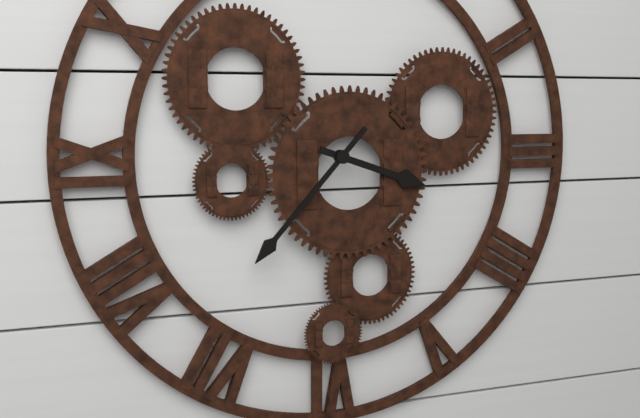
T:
3.37
